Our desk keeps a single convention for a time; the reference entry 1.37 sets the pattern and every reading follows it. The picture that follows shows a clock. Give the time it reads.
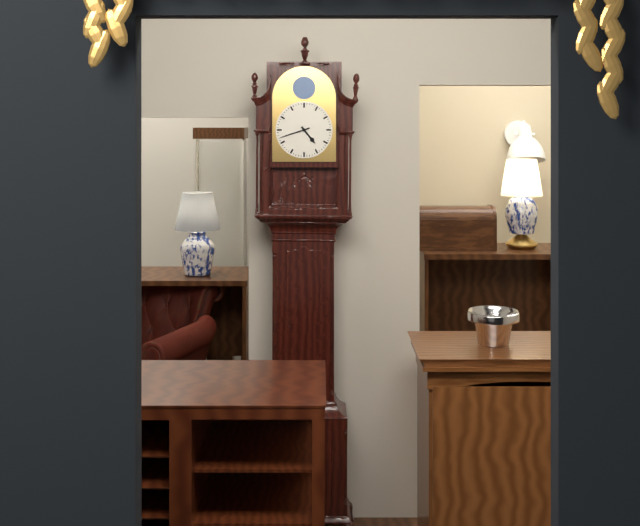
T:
4.42
